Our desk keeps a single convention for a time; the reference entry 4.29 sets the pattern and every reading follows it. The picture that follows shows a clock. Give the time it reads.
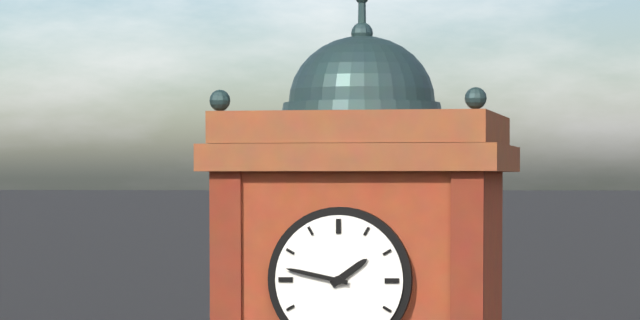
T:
1.47
